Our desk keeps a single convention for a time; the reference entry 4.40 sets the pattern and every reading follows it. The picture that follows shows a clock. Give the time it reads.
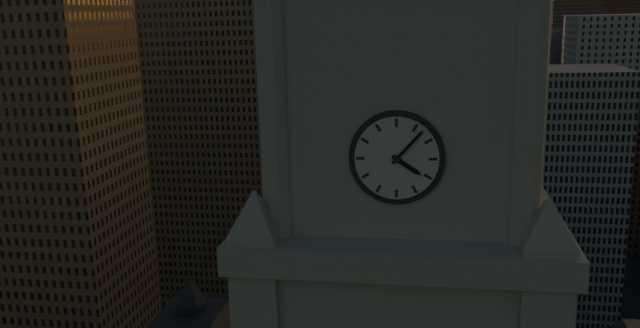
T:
4.07
